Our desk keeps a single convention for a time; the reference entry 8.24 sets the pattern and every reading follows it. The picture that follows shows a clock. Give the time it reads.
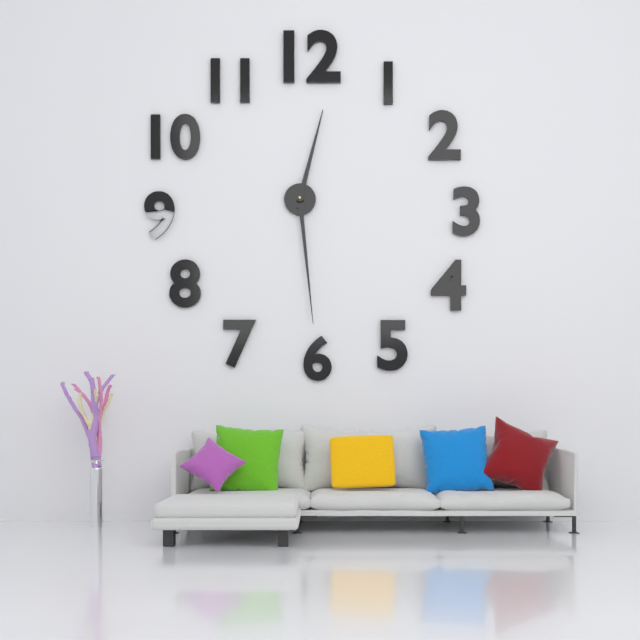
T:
12.29
